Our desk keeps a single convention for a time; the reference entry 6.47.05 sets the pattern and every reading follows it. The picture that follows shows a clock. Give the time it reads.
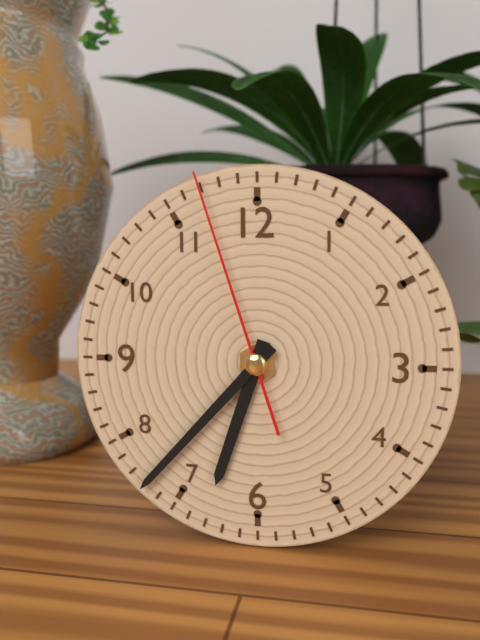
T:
6.37.57
